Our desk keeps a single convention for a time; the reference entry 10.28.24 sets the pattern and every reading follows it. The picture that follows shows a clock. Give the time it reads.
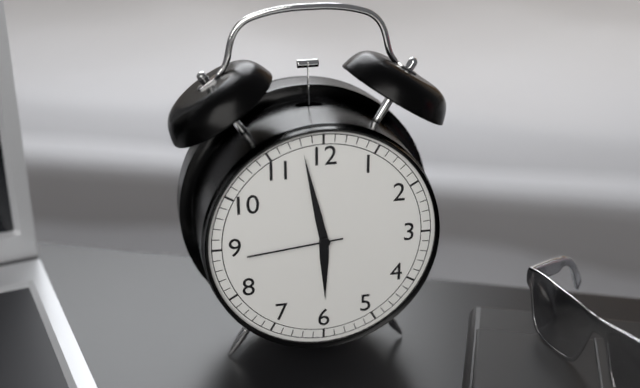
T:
5.58.44
